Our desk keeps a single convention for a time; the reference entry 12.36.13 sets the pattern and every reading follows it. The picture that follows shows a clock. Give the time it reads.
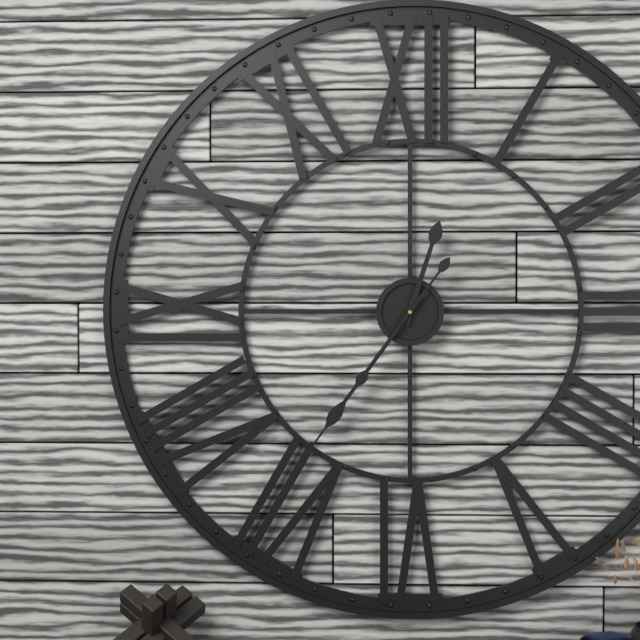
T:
12.36.36
